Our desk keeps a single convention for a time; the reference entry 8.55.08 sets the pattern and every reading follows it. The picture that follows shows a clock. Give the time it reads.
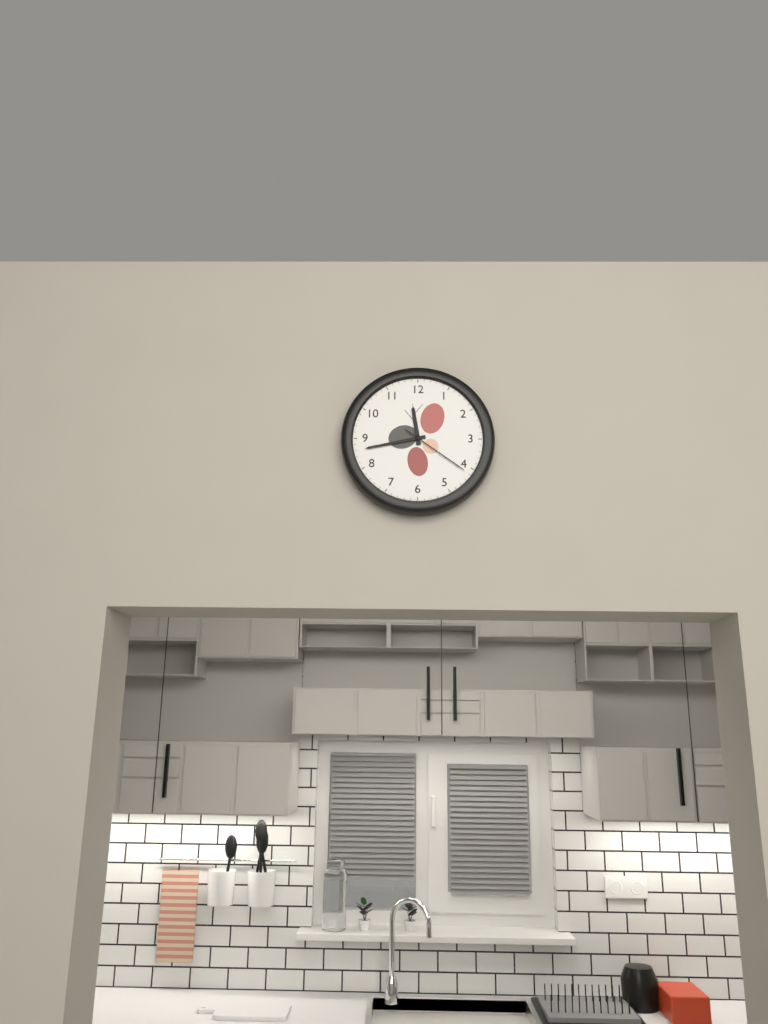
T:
11.43.21
